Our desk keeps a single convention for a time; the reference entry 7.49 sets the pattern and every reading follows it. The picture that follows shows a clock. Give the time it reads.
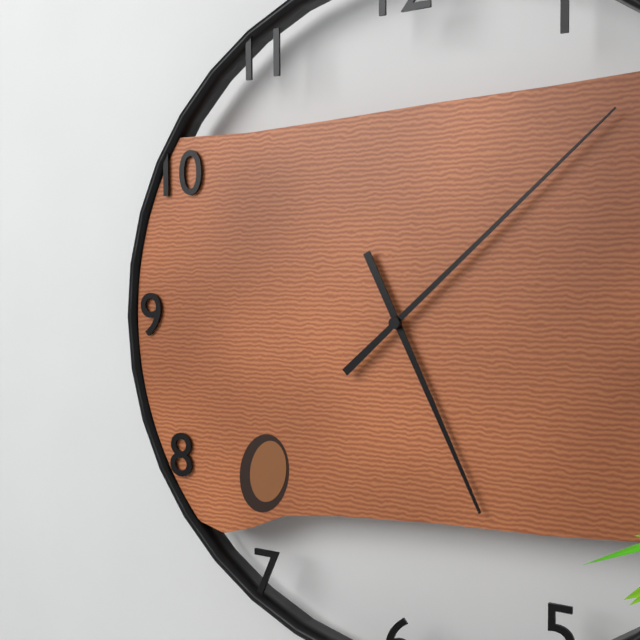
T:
5.08
